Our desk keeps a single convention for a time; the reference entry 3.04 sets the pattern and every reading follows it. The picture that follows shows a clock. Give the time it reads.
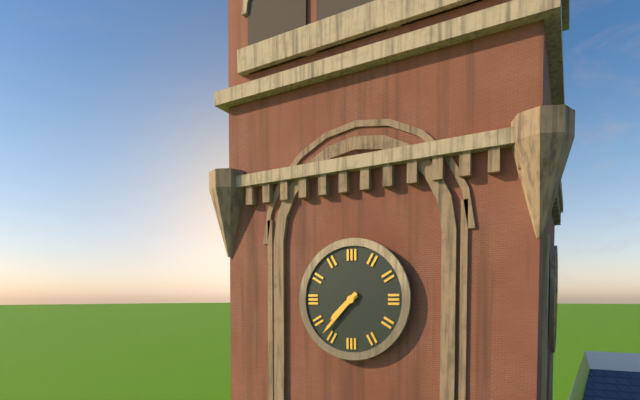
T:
7.37
